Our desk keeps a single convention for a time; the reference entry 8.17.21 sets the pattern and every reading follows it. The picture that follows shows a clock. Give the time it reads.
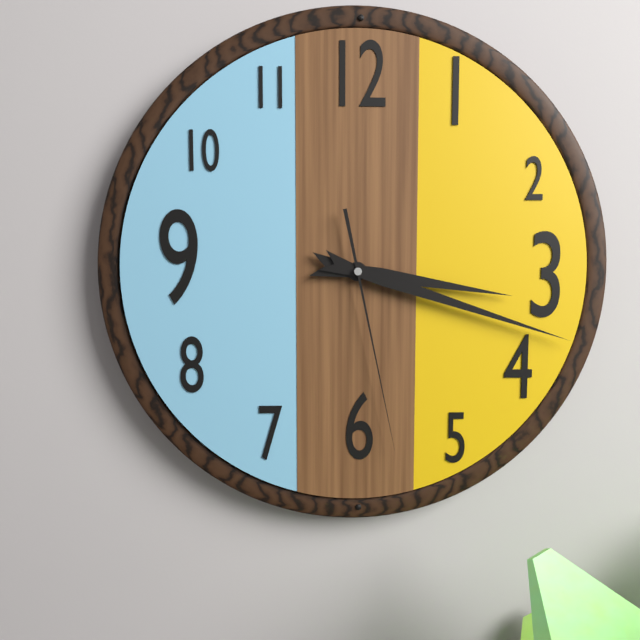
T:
3.18.28
